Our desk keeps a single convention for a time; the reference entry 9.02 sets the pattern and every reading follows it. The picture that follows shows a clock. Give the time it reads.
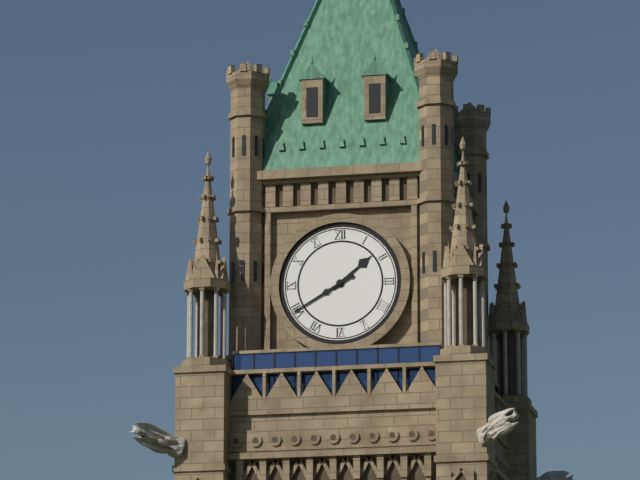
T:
1.40
